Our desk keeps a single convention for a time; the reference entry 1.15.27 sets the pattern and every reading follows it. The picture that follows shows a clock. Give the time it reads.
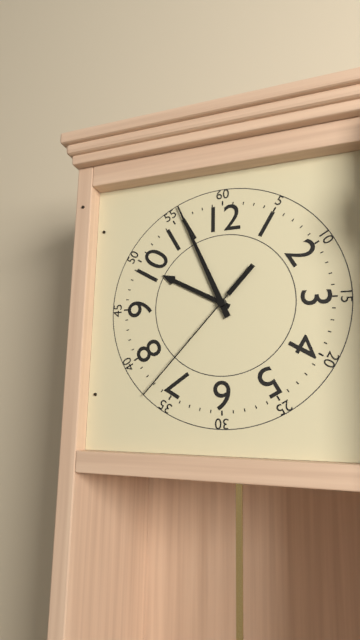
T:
9.56.37
